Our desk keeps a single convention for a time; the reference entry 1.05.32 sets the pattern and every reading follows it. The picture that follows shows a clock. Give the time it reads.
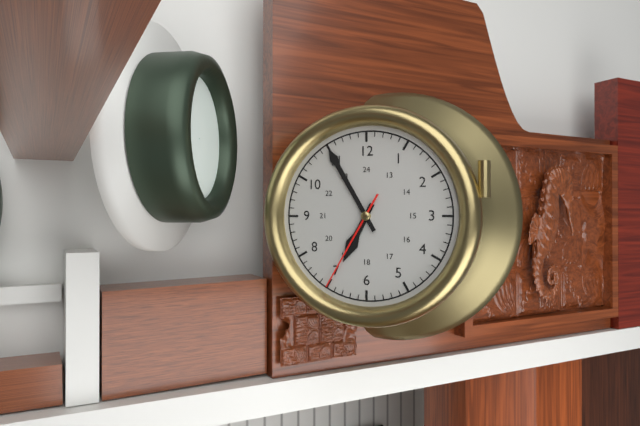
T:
6.55.35
